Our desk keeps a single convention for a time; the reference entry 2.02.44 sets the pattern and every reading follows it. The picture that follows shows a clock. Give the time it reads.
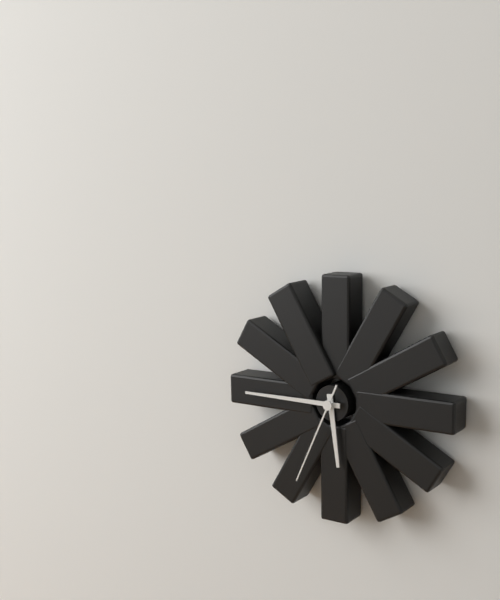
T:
5.45.34
